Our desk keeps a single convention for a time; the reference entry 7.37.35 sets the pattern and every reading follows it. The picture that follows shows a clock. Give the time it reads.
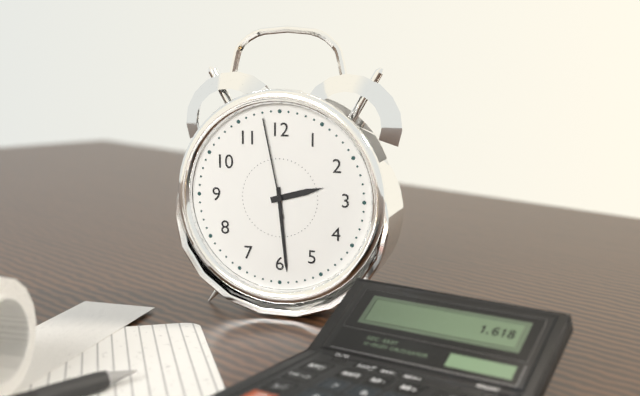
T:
2.29.58
